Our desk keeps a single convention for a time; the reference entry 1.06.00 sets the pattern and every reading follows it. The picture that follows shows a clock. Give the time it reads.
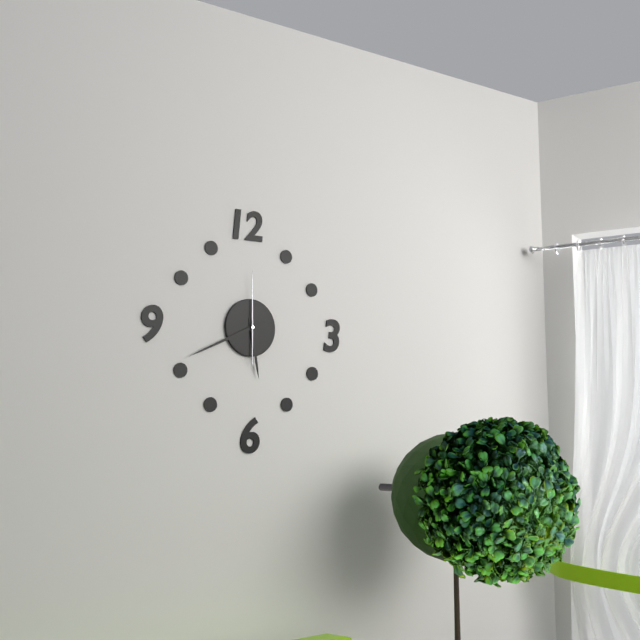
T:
5.41.00
